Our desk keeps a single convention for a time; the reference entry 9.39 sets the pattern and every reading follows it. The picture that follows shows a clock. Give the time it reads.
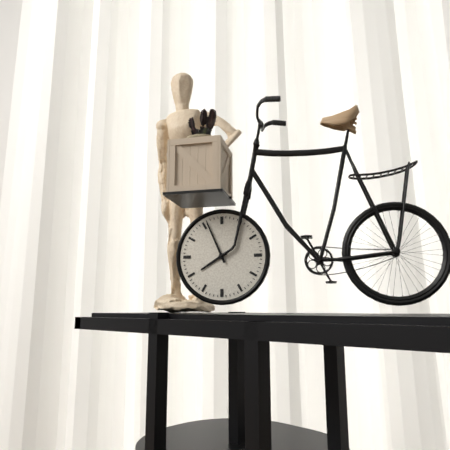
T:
7.56
